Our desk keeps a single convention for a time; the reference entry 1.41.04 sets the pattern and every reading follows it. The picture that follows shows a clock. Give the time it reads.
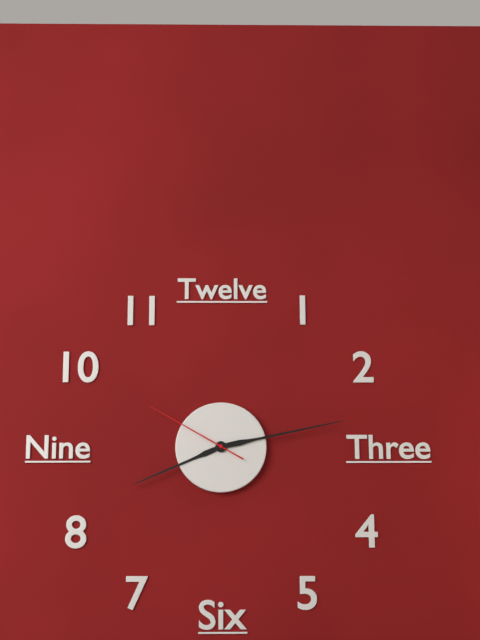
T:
8.13.50
